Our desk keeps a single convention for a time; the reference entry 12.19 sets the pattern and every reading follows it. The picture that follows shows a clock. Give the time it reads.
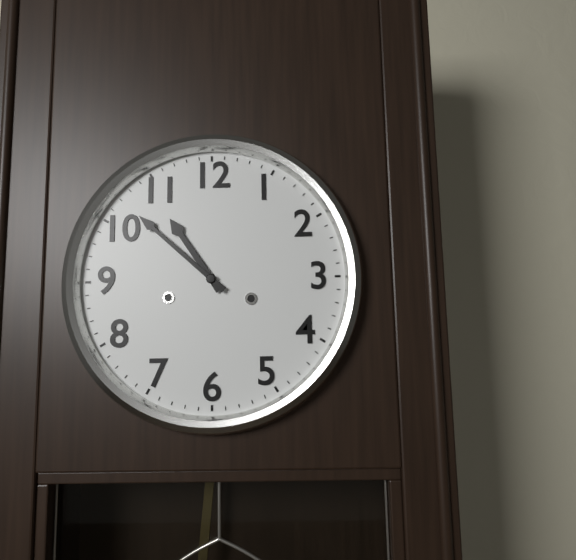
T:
10.52
